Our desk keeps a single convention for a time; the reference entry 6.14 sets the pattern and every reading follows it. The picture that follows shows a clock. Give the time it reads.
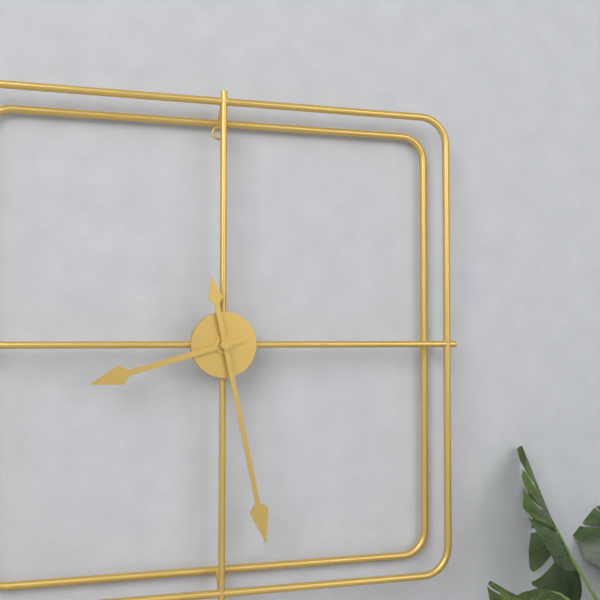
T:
8.28
